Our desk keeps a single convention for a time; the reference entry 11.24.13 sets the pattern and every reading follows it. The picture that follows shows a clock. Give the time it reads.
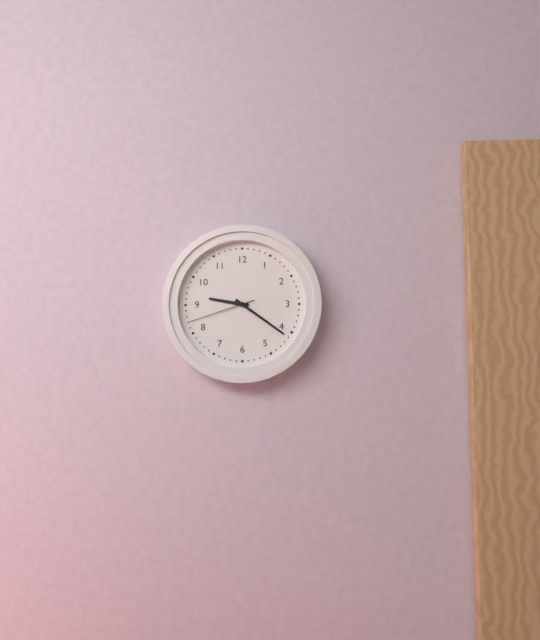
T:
9.21.42
